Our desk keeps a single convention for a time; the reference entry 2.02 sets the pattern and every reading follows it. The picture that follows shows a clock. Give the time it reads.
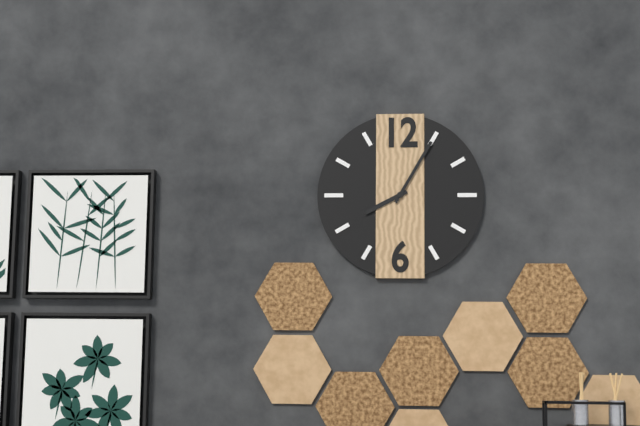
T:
8.05
